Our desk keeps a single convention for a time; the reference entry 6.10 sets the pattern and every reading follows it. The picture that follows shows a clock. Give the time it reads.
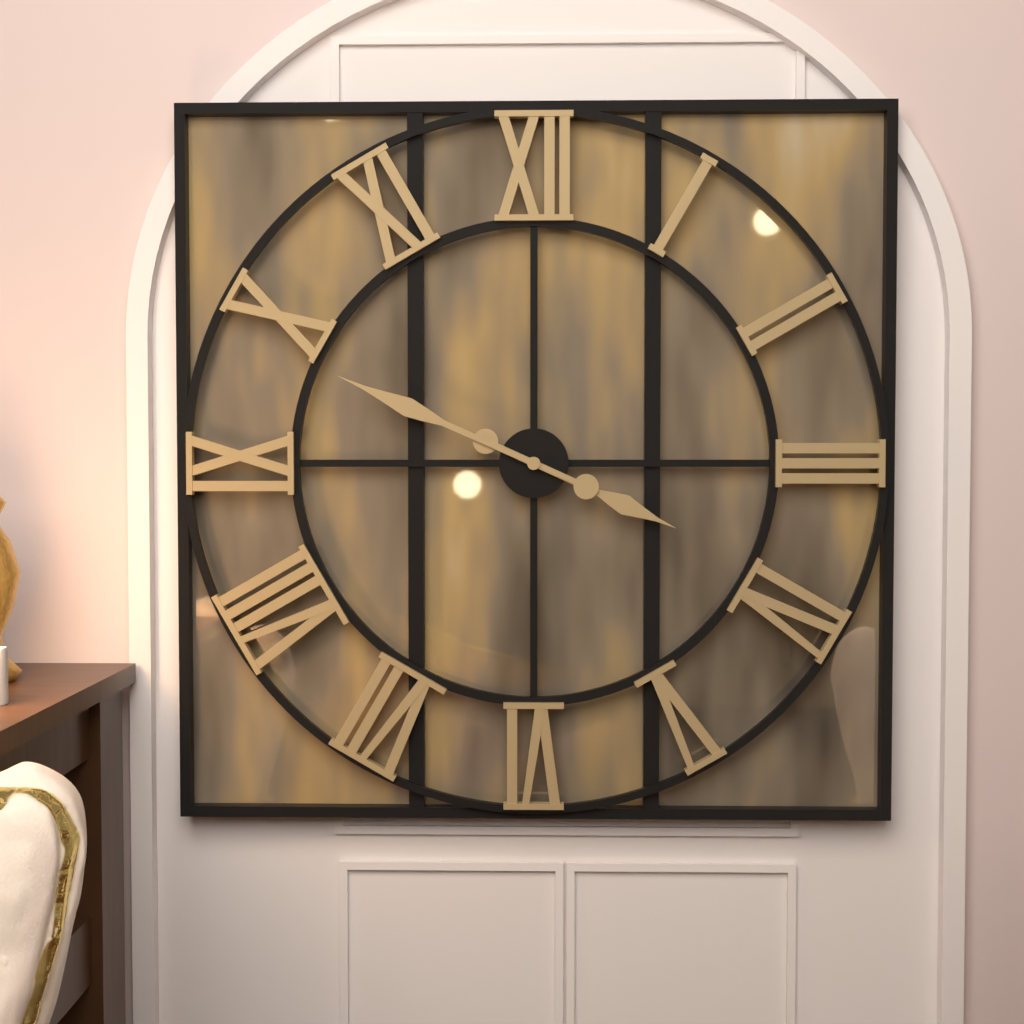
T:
3.49
